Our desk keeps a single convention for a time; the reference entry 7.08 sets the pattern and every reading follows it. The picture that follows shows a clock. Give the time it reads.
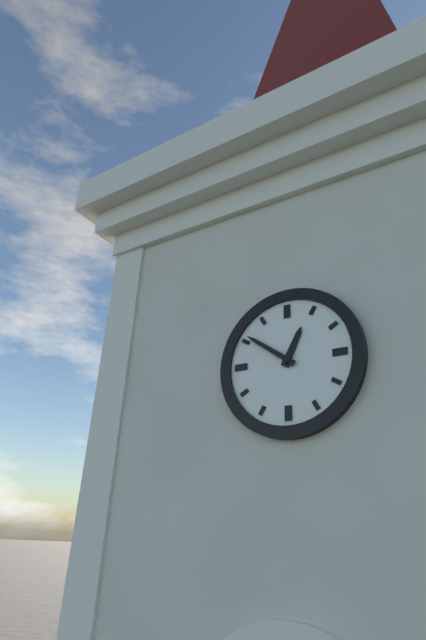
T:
12.51
